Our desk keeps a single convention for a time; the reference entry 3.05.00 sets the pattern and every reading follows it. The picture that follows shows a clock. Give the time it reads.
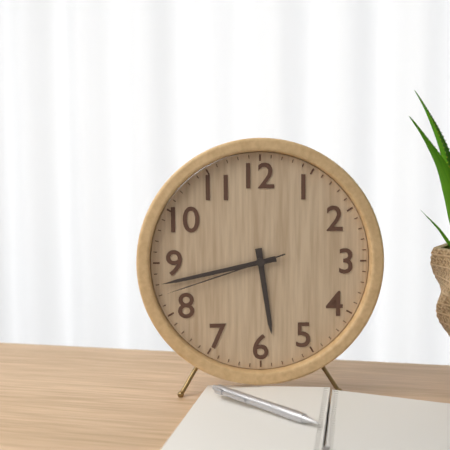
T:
5.43.42
